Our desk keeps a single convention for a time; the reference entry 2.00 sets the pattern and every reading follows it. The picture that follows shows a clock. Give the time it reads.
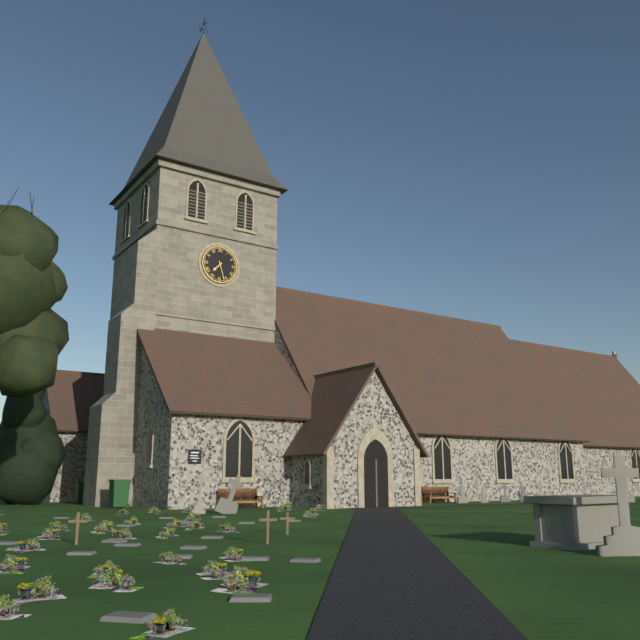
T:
7.27
